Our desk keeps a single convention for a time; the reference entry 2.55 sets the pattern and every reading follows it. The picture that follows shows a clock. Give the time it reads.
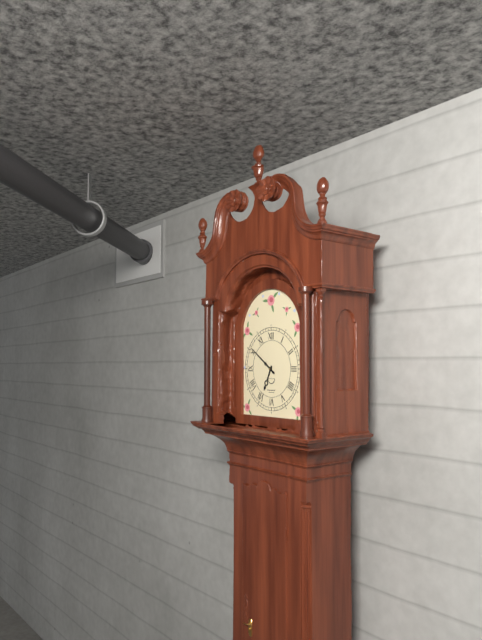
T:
6.51
